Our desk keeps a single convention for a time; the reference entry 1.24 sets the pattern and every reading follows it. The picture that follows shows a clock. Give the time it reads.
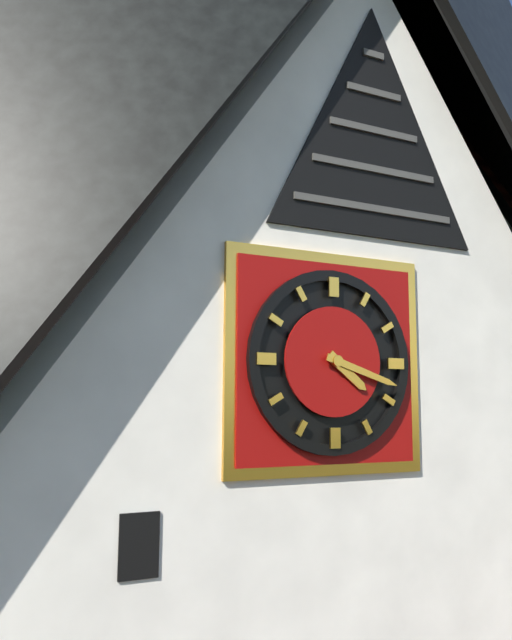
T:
4.18
